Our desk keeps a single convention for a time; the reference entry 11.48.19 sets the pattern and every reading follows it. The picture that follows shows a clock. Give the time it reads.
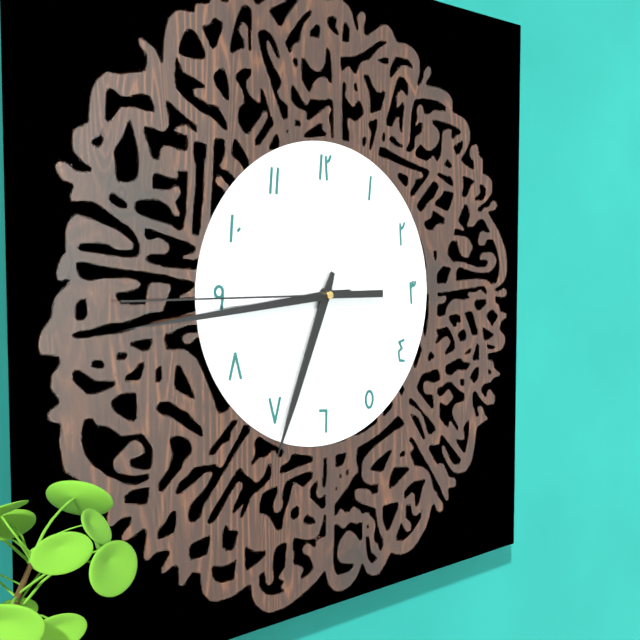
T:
6.44.45
